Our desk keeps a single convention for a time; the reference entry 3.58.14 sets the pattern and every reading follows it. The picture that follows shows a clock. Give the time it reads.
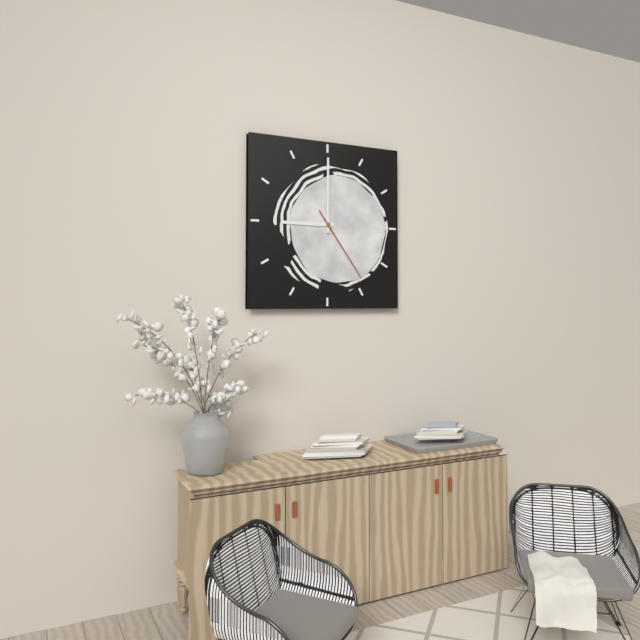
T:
9.00.24
